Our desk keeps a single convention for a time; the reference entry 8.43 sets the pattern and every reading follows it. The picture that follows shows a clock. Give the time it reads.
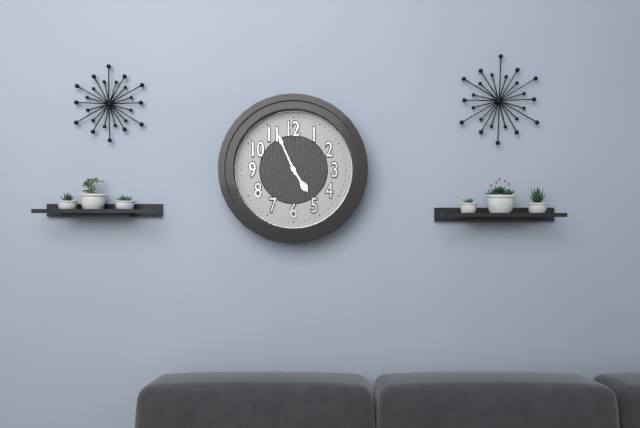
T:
4.56
